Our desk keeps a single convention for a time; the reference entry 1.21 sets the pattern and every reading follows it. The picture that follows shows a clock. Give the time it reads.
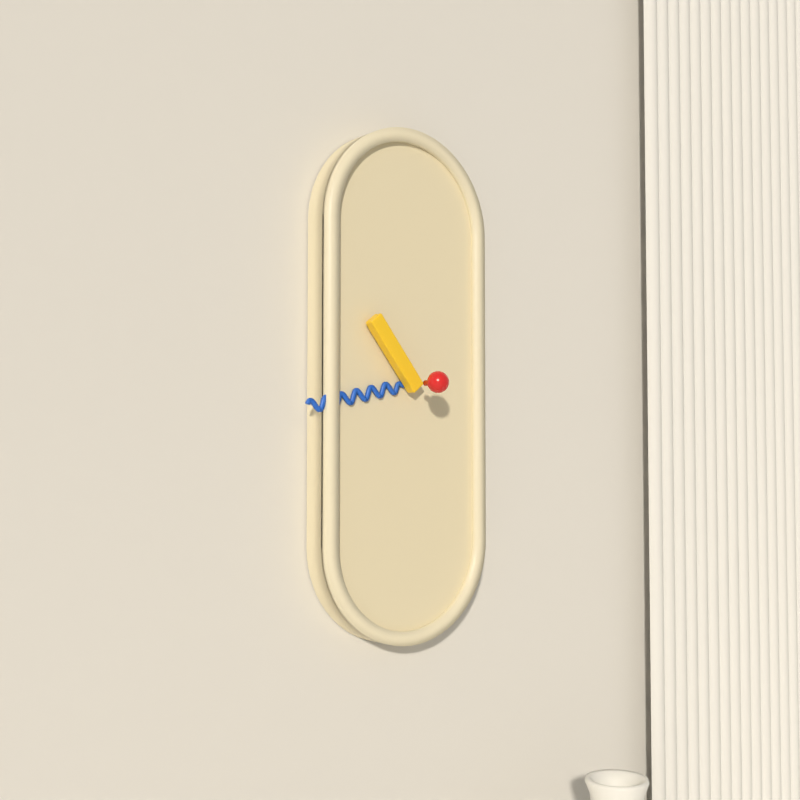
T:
10.43
